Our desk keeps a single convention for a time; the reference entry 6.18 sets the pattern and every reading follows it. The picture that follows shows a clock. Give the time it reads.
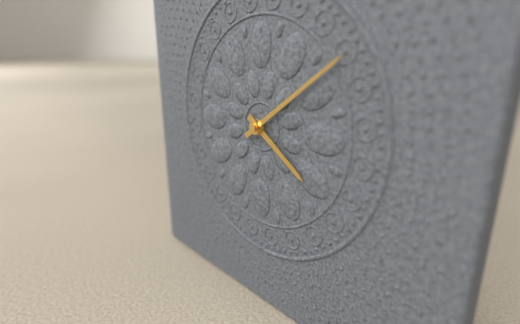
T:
4.09
